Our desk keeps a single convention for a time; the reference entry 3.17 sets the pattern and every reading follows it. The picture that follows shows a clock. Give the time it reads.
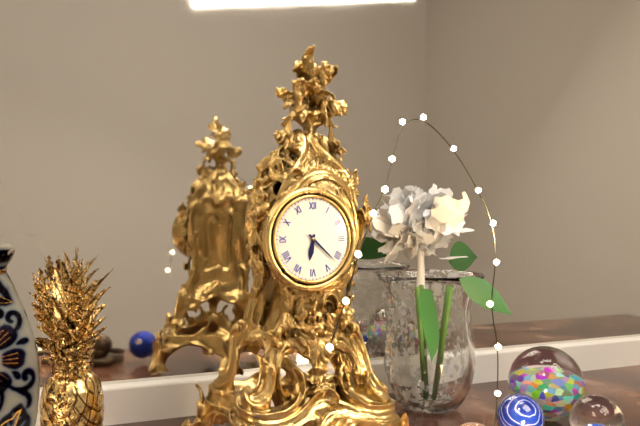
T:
6.22
